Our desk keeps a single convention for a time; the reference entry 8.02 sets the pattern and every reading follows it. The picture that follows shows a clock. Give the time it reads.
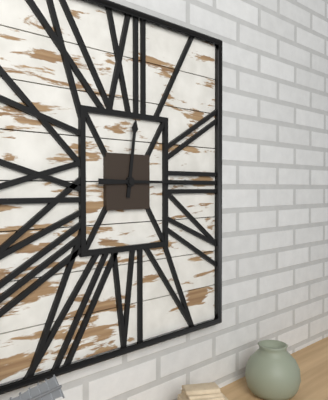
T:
12.15
